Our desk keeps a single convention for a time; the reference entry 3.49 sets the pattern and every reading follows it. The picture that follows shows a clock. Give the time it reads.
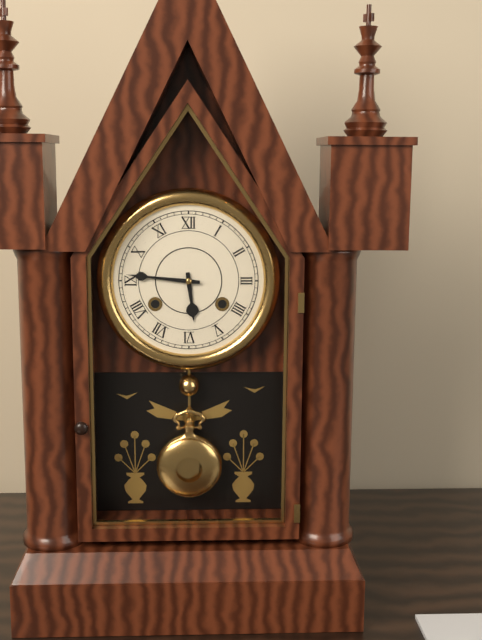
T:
5.46
